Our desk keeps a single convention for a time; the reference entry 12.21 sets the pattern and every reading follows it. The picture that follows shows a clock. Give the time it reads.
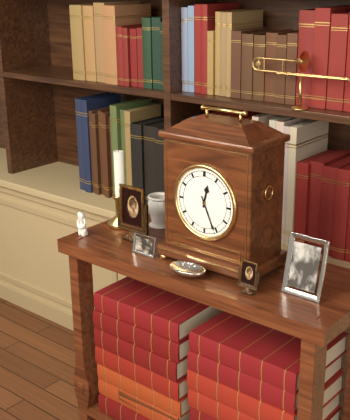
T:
12.26
